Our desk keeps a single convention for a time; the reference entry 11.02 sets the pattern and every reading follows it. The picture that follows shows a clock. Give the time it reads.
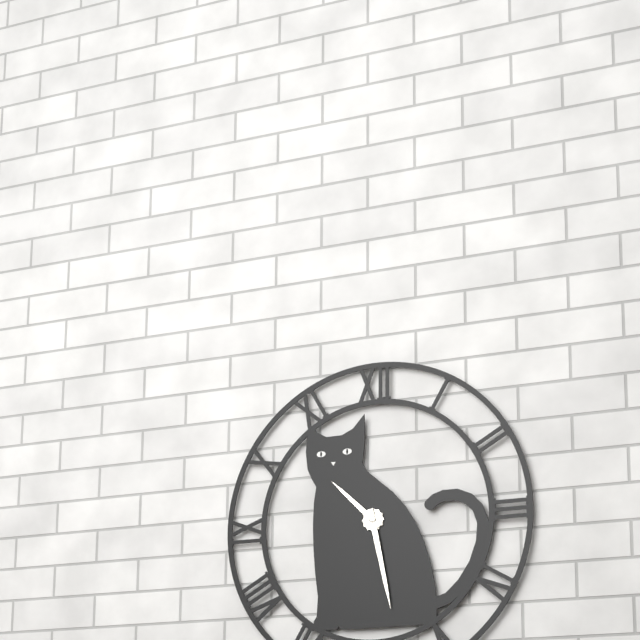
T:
10.28
